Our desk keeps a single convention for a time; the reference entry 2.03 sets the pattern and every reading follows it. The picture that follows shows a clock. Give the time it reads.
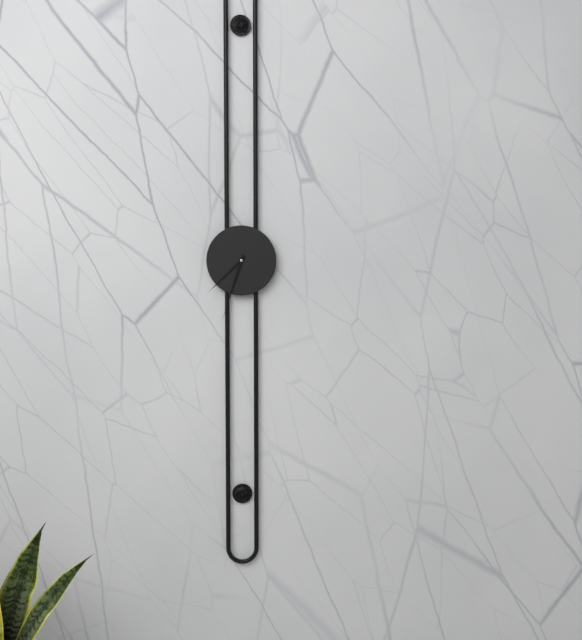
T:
7.33
